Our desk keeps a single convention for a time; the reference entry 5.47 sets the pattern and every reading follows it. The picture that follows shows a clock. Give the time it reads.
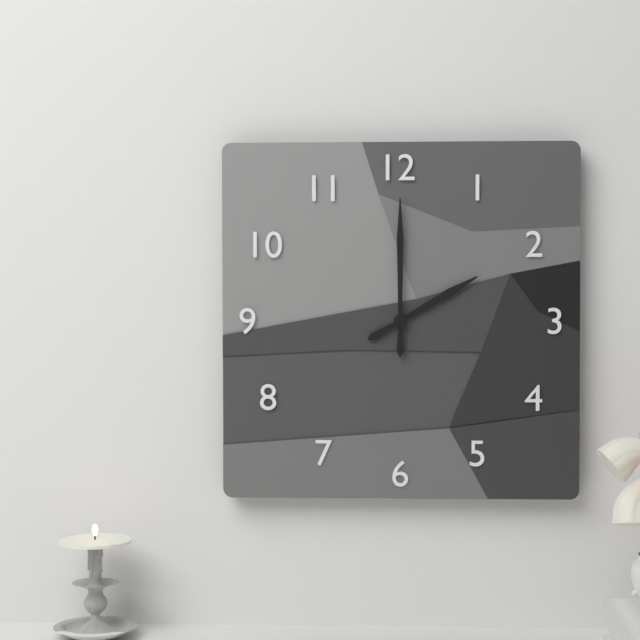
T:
2.00
